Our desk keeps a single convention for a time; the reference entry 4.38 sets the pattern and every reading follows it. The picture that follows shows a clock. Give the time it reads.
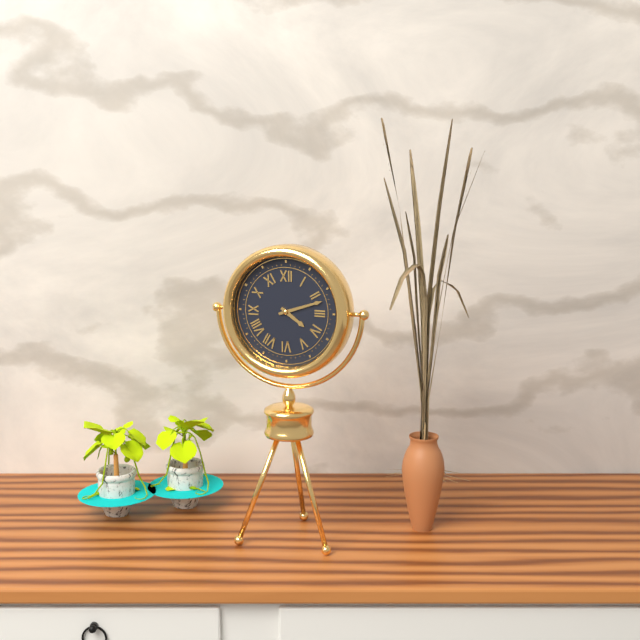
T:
4.12
